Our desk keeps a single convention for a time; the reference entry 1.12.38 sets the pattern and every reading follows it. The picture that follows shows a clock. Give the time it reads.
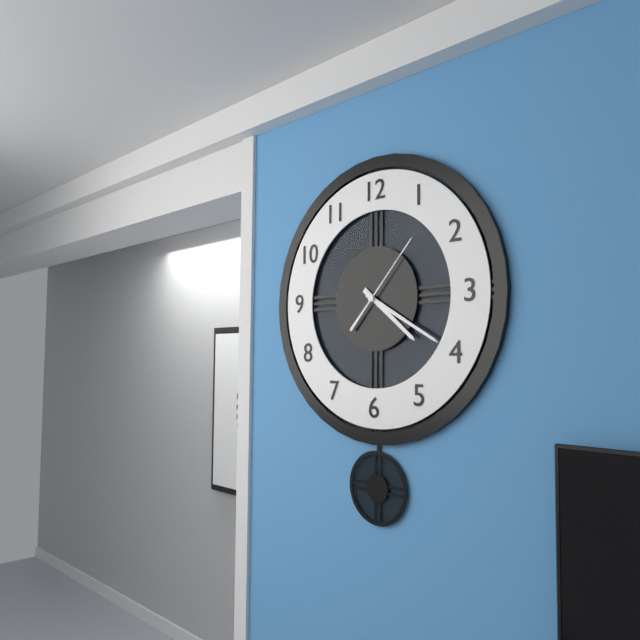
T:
4.20.07
